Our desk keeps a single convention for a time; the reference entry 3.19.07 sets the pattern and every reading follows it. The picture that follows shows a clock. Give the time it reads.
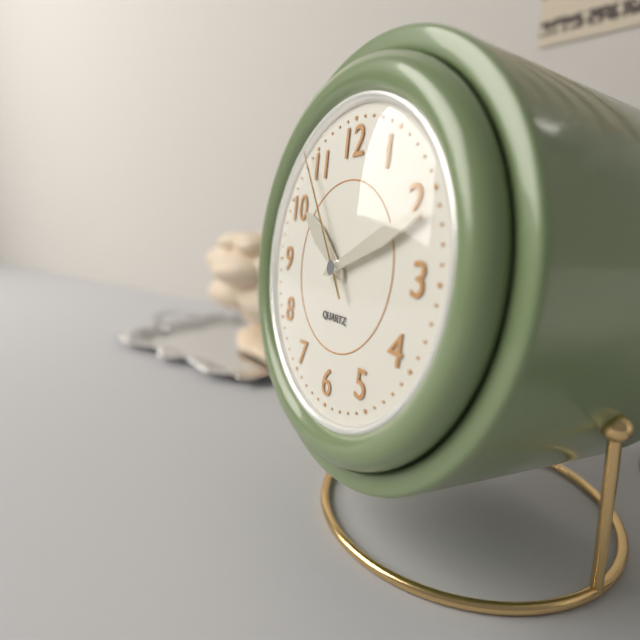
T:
10.11.54
